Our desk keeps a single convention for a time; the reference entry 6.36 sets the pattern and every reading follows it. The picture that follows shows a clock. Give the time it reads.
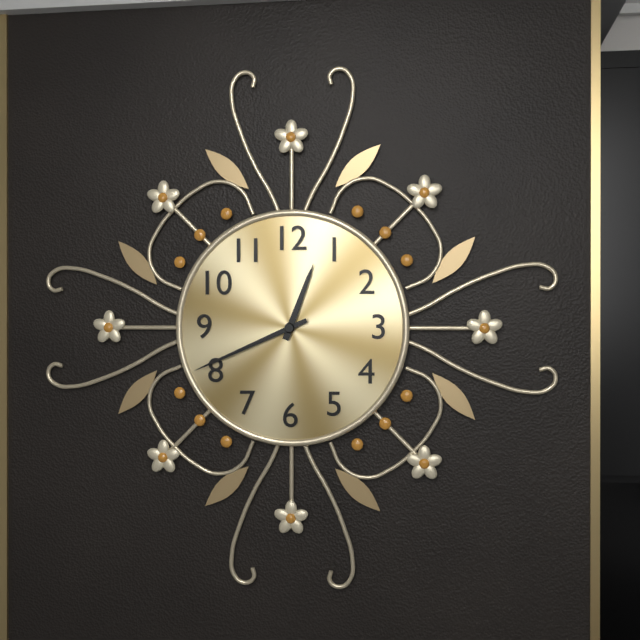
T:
12.41
